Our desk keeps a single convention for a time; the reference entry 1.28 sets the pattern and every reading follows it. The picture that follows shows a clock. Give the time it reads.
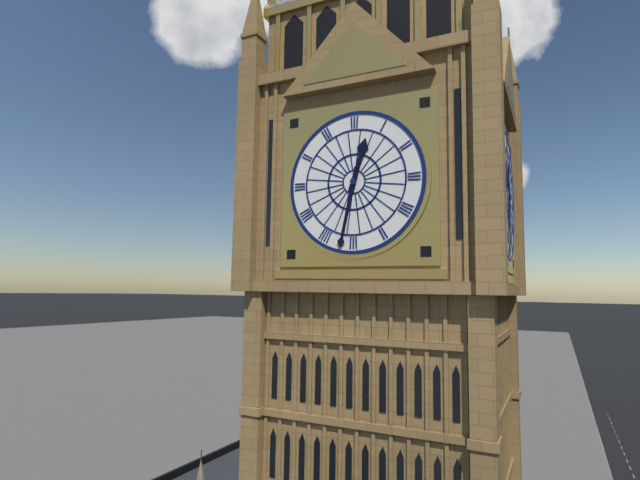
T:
12.32
